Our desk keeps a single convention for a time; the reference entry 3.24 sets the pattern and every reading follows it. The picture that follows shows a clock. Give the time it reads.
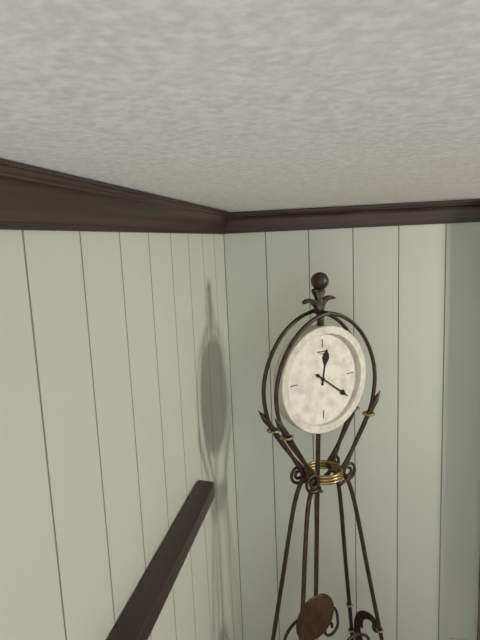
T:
12.21
